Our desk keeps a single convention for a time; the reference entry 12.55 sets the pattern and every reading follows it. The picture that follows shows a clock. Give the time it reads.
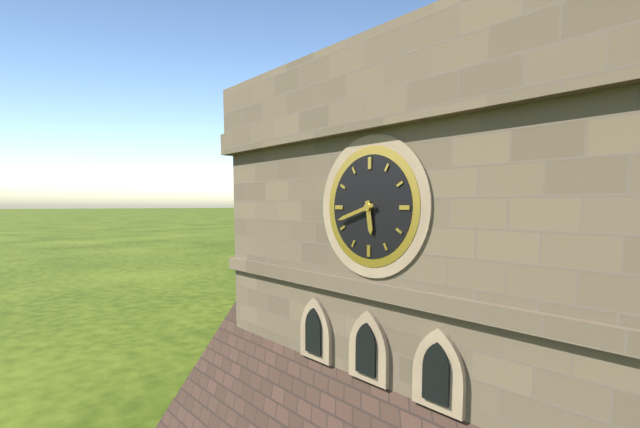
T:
5.42
